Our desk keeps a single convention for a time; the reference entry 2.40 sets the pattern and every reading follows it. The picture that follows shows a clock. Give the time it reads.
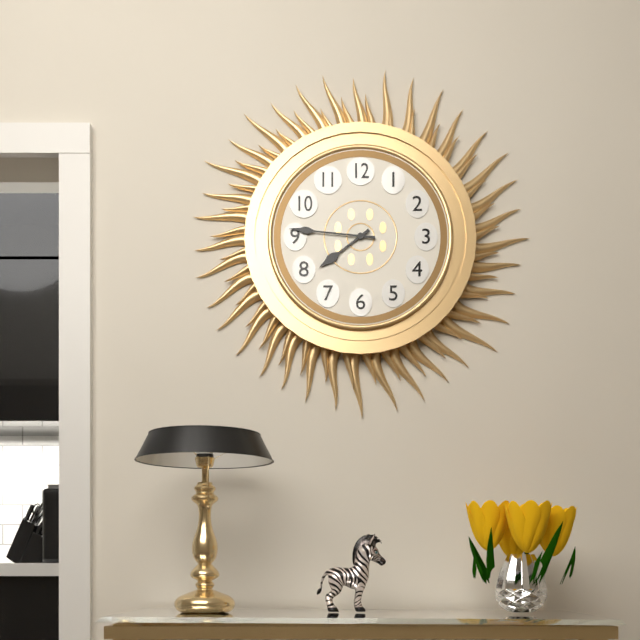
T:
7.46
